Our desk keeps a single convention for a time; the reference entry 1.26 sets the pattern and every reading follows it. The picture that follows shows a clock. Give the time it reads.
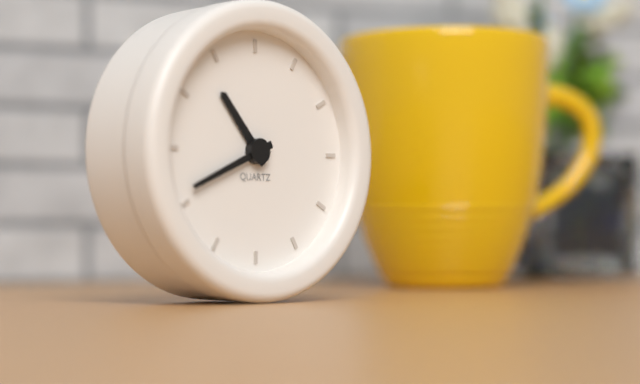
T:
10.41
